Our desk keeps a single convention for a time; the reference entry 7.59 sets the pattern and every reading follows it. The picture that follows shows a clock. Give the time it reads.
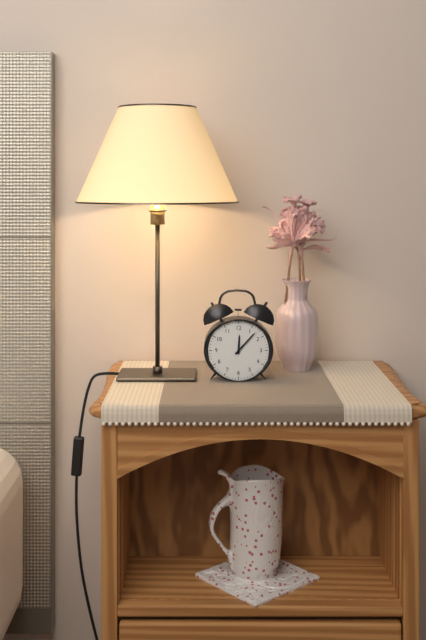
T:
12.07
